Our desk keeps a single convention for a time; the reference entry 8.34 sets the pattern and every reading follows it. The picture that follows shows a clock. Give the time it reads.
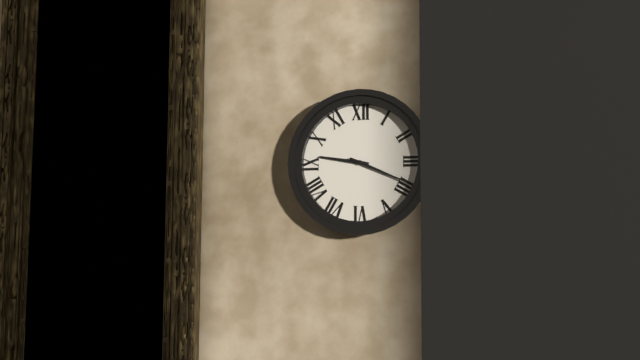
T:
9.19
